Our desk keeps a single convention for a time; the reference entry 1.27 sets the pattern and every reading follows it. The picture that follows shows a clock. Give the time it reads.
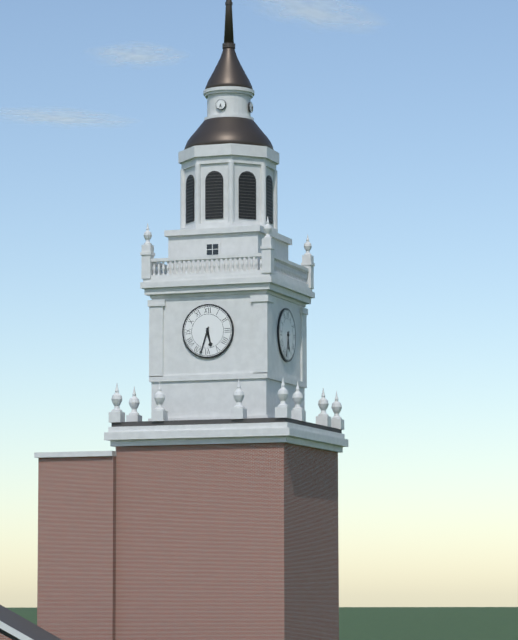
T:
5.33
